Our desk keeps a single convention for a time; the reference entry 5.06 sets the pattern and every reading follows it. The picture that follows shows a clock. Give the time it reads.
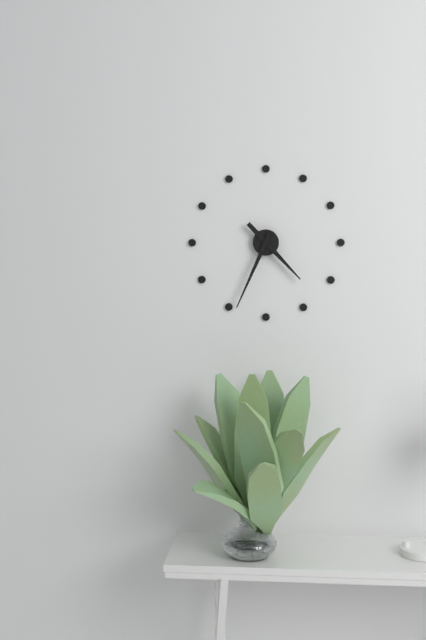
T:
4.34
